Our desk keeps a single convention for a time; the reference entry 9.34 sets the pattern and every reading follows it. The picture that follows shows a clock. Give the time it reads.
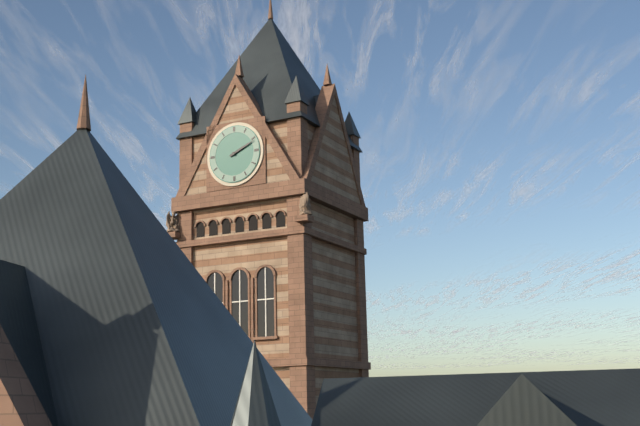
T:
2.11
